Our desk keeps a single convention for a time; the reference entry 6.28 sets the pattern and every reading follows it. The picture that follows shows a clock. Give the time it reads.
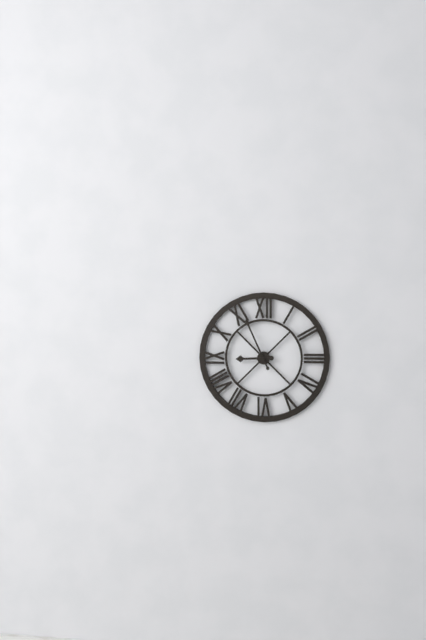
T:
8.56
